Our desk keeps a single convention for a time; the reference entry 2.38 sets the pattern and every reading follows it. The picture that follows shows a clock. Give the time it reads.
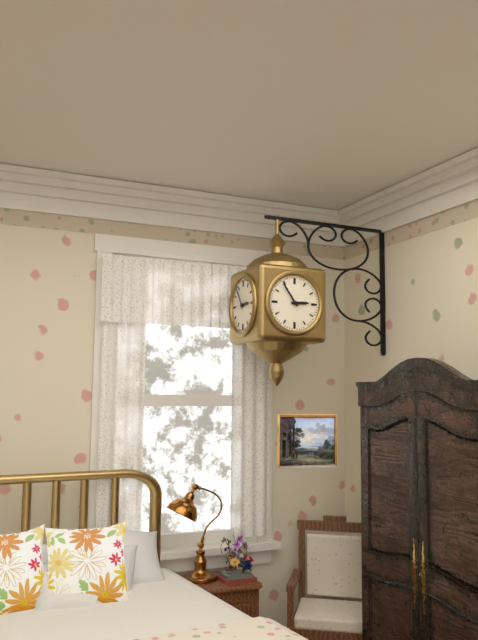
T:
2.54
